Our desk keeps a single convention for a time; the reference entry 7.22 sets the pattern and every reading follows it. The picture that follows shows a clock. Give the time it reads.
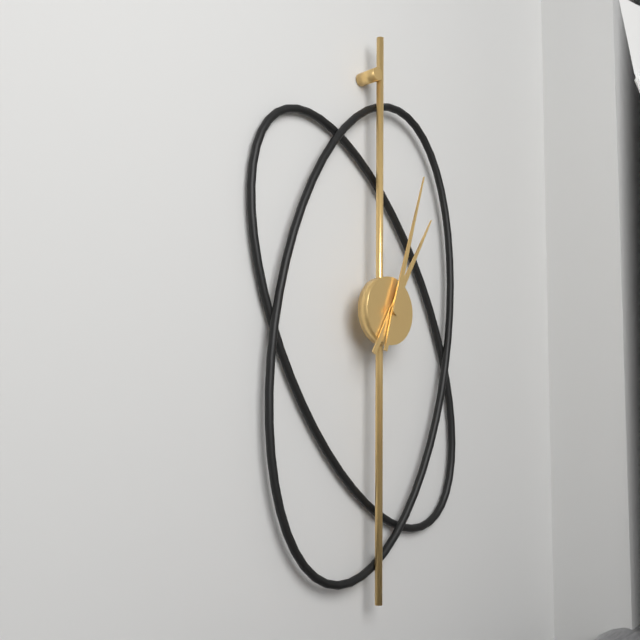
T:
1.03
